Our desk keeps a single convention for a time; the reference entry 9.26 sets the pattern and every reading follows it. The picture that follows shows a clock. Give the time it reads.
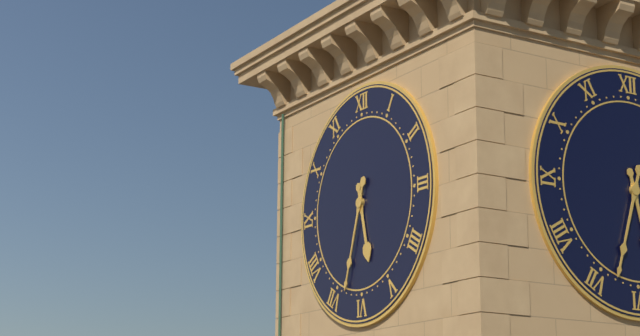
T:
5.33
